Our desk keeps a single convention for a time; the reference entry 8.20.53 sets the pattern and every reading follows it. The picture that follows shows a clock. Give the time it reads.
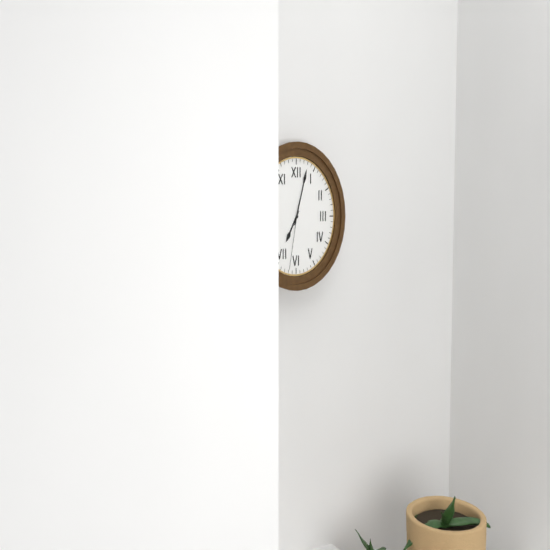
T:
7.03.32
